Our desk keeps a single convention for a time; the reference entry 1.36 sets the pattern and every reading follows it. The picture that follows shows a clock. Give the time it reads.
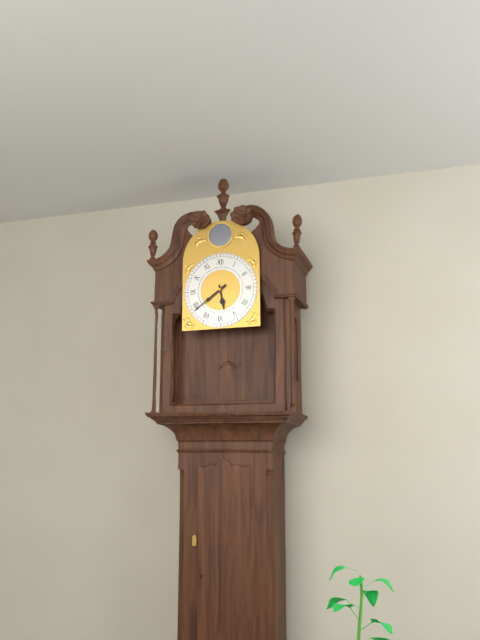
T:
5.39
